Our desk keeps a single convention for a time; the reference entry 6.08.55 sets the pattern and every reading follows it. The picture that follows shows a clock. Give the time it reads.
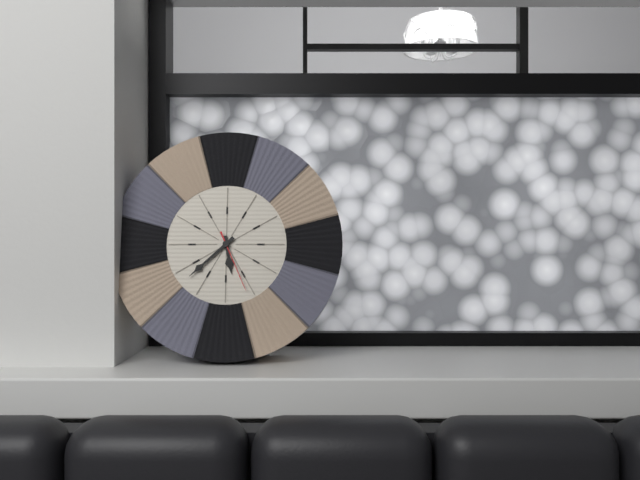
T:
5.38.26
